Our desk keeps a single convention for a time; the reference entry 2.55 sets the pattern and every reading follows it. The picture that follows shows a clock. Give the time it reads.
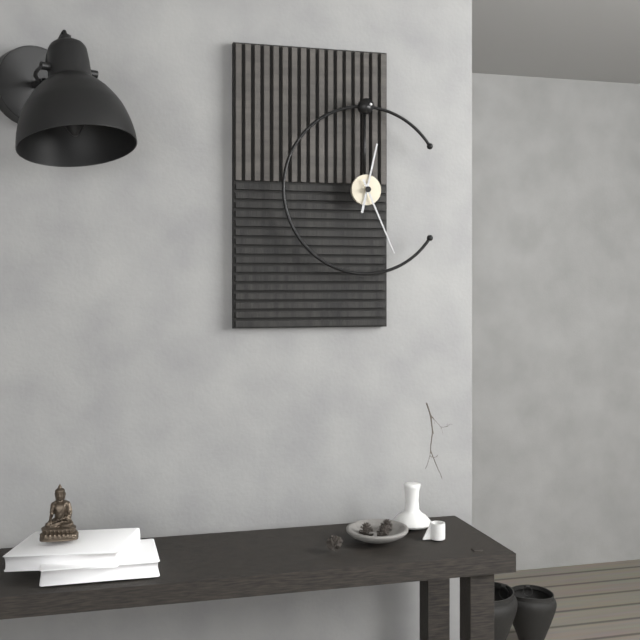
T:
12.26
